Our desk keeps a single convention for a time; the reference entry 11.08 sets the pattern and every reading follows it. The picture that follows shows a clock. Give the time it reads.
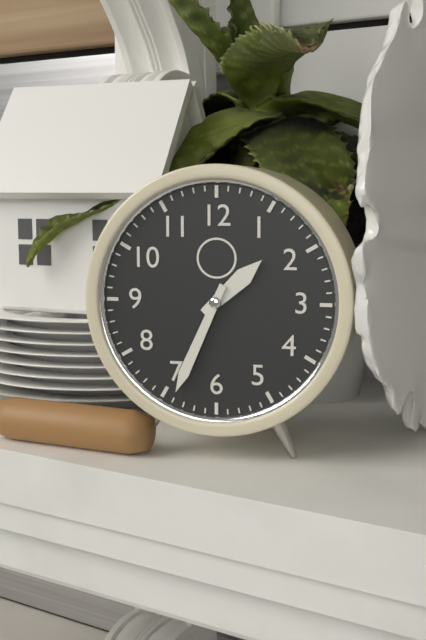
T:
1.34
